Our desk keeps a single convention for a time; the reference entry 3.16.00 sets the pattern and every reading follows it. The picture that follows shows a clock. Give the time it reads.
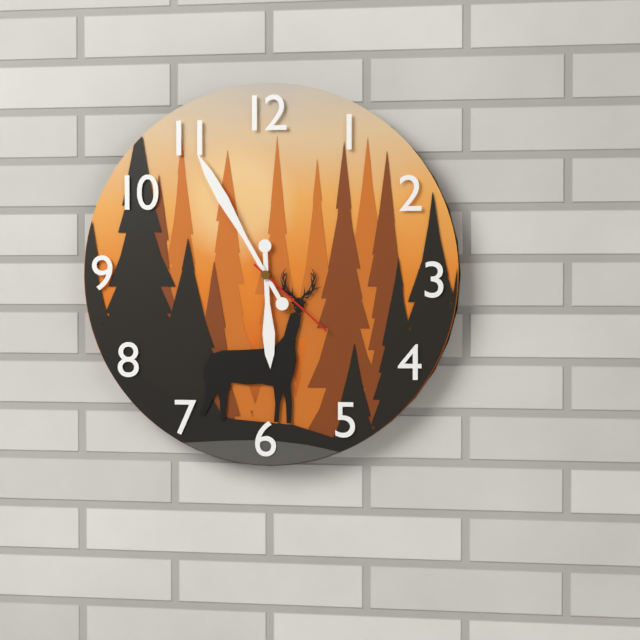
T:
5.55.22
